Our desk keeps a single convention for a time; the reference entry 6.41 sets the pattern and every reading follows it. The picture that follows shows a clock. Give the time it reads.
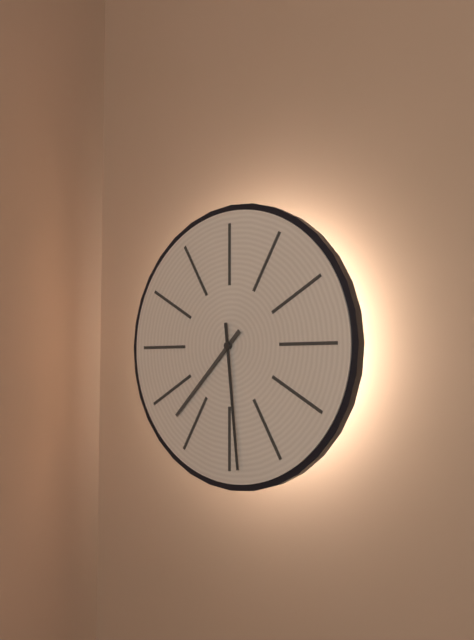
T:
7.29
